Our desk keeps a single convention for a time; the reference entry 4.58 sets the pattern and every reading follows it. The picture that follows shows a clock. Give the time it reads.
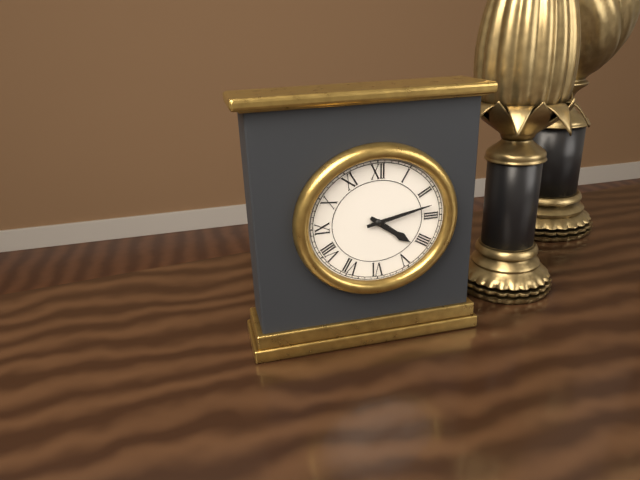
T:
4.13
